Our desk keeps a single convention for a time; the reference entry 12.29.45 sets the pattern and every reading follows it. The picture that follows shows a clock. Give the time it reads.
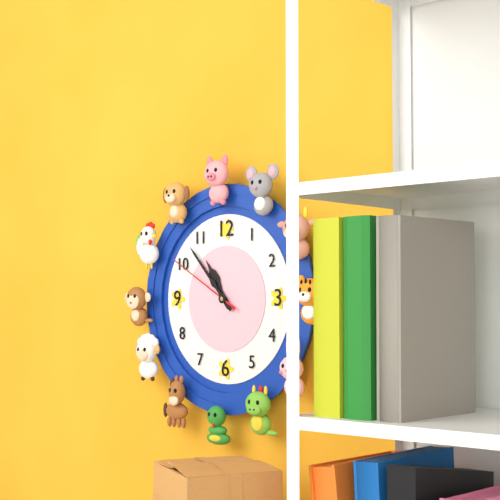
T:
10.53.50
